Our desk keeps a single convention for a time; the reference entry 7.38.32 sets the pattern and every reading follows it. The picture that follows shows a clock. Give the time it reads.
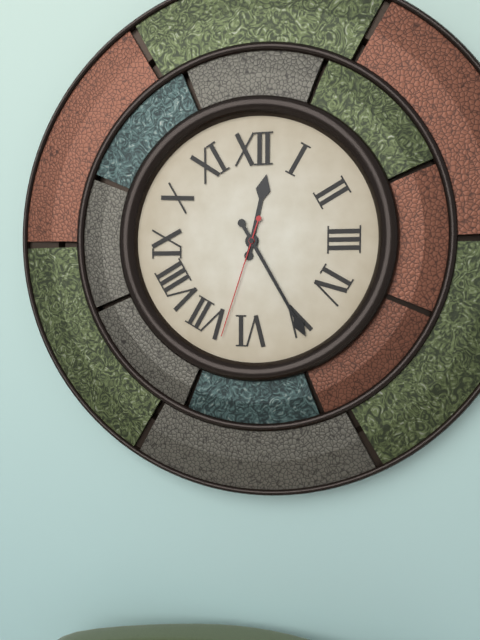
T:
12.25.33
